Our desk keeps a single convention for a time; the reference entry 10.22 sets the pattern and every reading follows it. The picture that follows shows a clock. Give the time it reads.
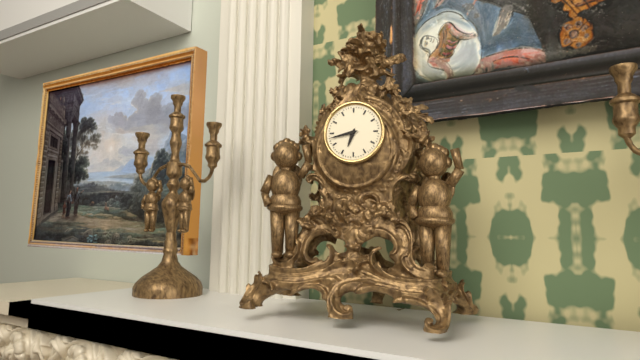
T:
6.43
